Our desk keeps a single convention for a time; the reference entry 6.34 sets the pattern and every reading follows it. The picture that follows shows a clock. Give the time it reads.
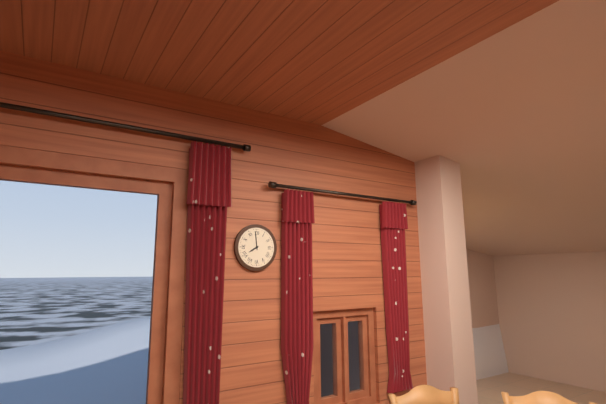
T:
7.59
